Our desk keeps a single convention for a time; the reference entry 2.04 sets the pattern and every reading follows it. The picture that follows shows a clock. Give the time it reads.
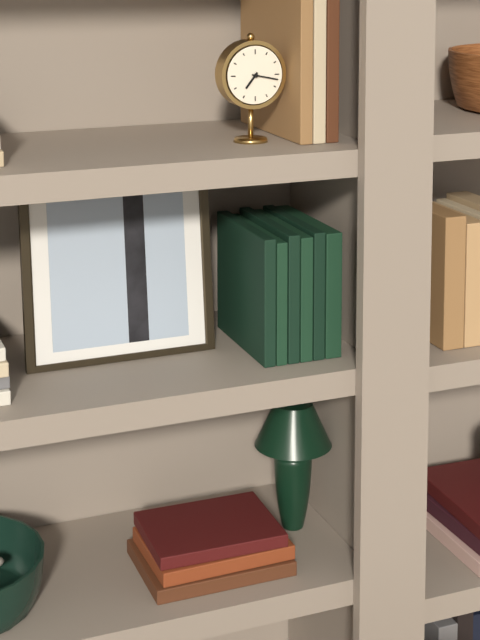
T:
7.17
